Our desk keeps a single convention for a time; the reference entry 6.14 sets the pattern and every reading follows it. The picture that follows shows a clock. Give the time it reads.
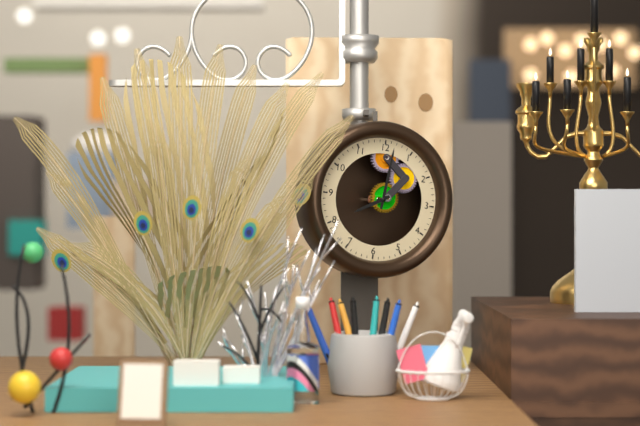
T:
8.01
